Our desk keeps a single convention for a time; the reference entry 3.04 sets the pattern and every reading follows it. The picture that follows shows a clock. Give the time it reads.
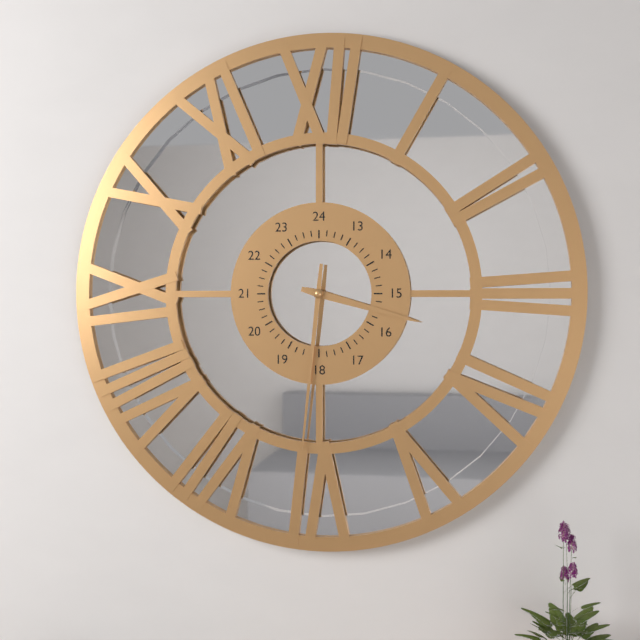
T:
3.31
